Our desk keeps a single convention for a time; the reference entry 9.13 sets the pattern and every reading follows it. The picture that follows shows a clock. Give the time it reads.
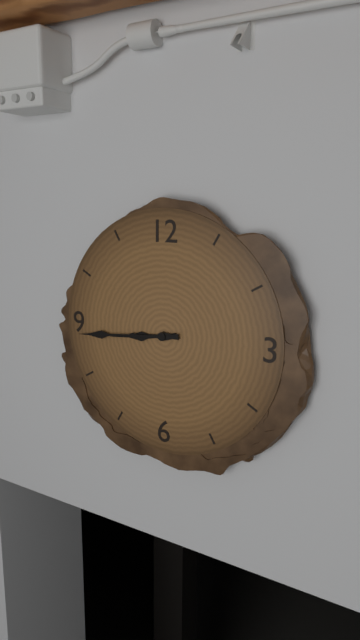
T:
8.44
